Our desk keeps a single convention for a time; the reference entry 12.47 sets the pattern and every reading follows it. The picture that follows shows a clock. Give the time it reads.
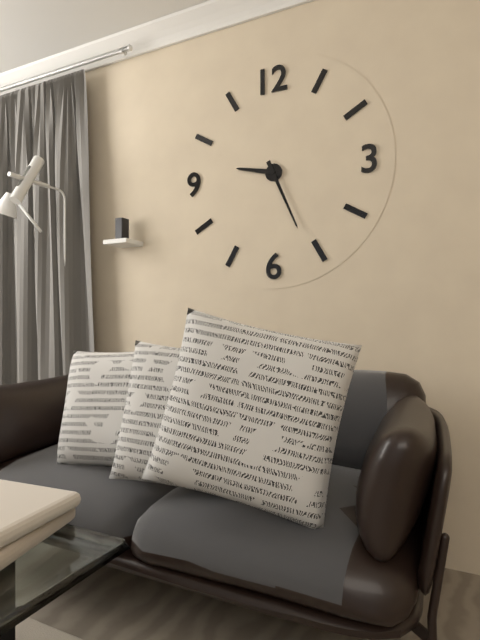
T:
9.26
